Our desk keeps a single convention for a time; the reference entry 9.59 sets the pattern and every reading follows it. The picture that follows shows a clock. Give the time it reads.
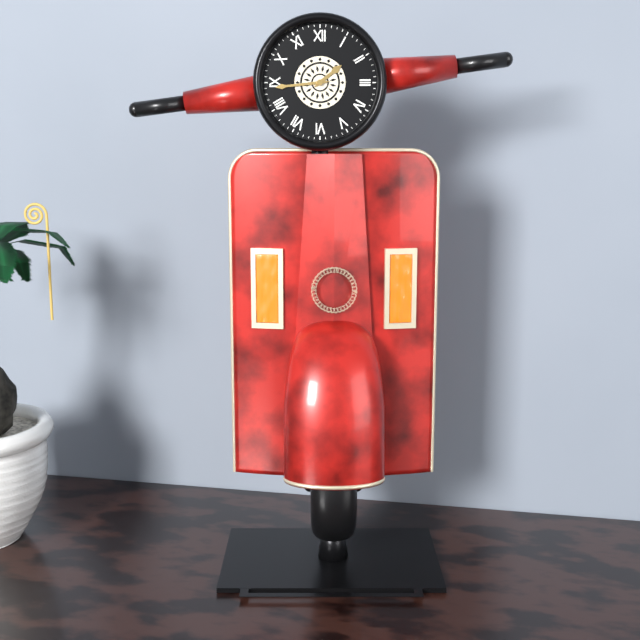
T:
1.44
